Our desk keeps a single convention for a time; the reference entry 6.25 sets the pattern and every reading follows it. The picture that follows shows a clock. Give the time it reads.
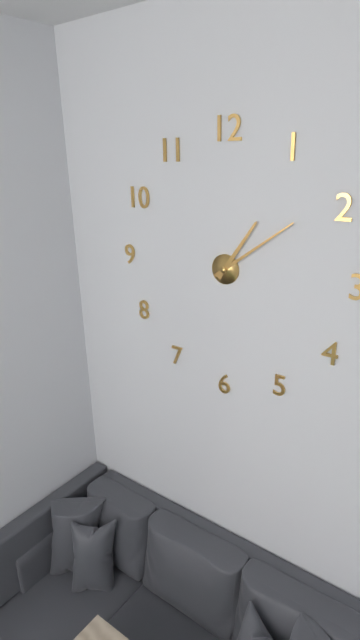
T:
1.09
